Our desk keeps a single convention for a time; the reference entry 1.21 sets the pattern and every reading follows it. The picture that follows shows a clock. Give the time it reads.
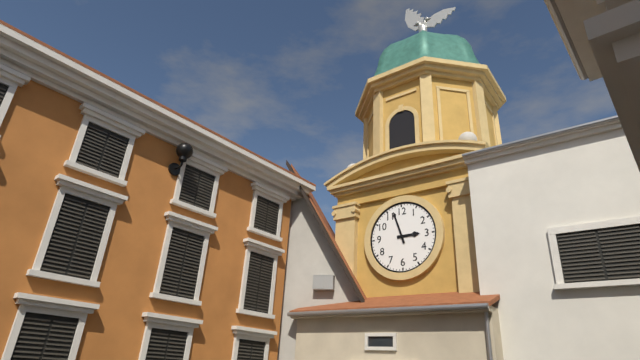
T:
2.57
